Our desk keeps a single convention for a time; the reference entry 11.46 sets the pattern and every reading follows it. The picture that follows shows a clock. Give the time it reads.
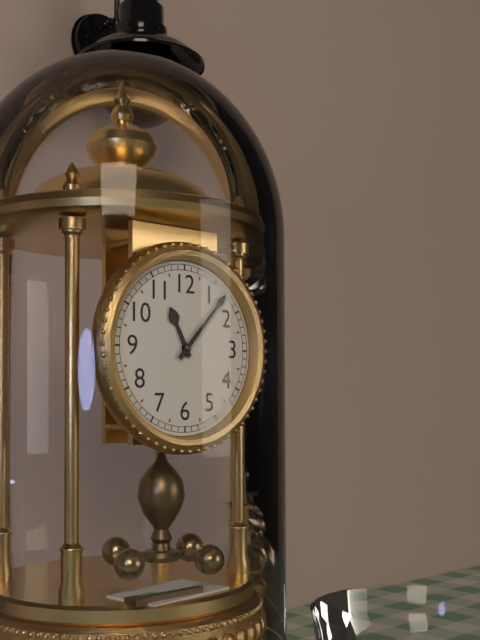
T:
11.07
